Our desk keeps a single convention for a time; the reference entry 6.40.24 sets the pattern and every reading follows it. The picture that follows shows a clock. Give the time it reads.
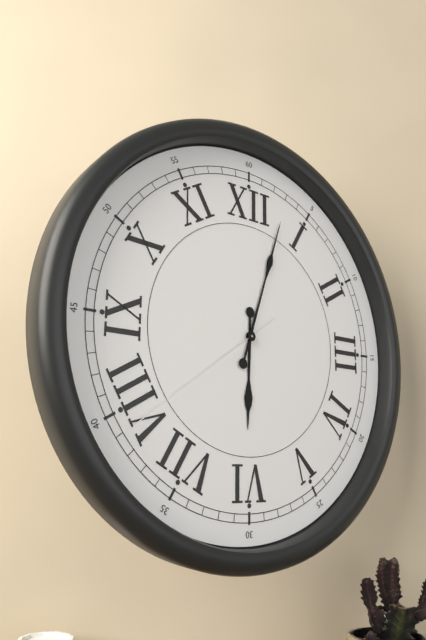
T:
6.03.39
